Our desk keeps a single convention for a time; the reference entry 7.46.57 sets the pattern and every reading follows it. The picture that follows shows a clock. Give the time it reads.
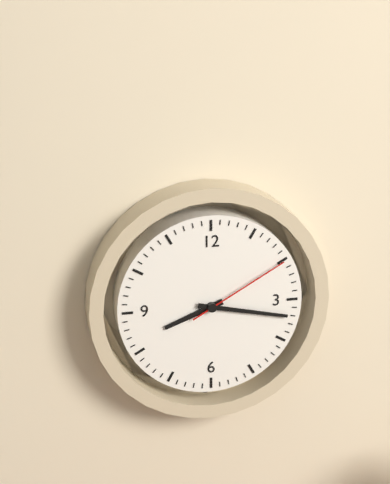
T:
8.17.10
